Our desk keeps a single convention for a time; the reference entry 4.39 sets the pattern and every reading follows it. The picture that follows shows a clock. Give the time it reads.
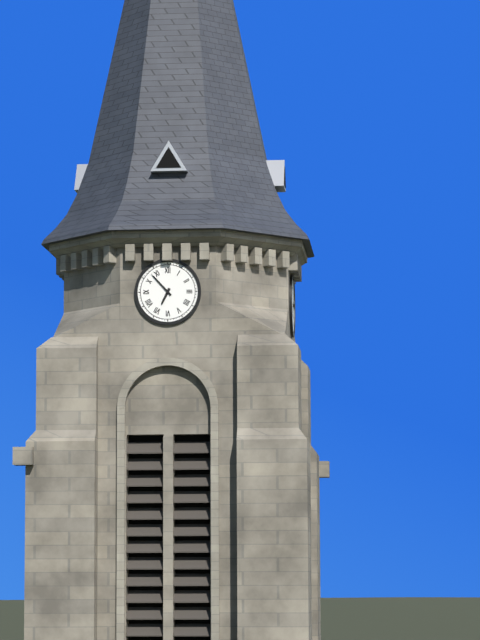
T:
6.53
